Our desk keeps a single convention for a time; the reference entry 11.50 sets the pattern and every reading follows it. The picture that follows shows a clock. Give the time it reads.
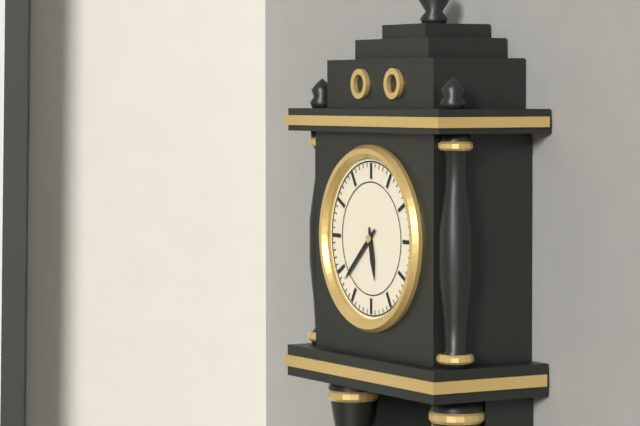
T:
5.38
